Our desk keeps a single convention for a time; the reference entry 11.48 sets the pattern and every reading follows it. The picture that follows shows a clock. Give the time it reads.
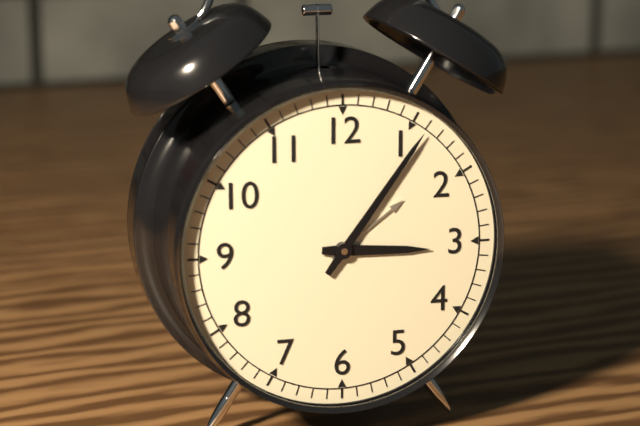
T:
3.06
